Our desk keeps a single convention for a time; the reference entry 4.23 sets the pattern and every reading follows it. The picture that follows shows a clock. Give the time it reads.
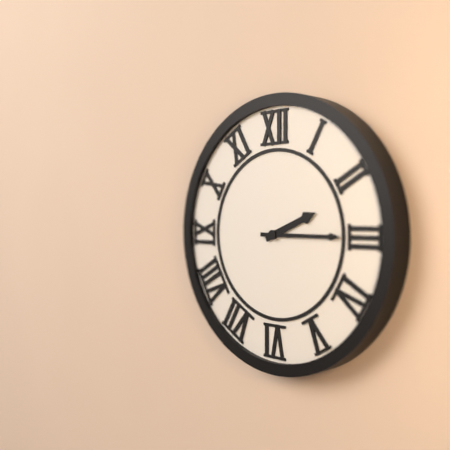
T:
2.15
